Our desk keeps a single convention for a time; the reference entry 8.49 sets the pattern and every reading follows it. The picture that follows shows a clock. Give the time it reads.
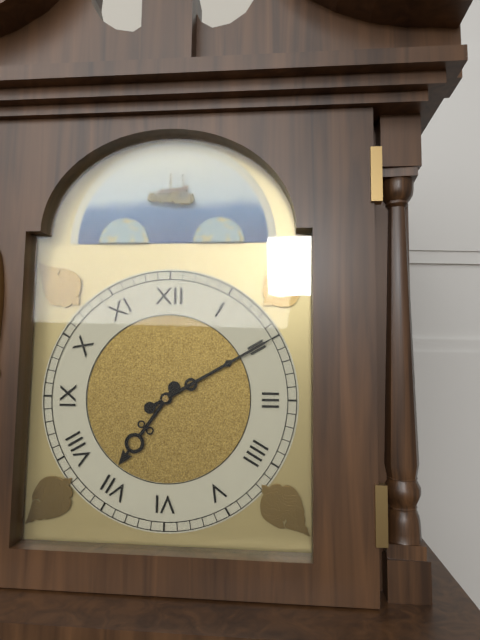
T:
7.10
